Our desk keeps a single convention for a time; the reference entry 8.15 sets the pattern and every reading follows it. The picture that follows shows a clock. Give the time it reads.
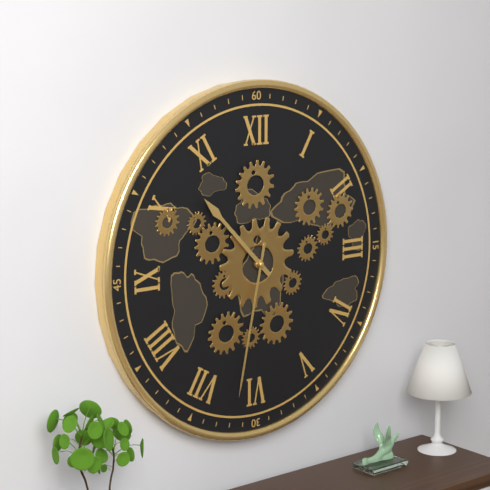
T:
10.32
